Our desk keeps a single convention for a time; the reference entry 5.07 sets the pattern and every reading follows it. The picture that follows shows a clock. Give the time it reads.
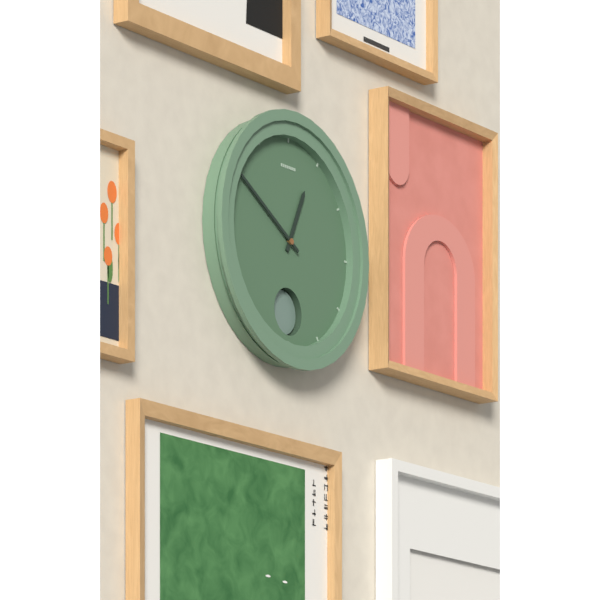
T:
12.50
